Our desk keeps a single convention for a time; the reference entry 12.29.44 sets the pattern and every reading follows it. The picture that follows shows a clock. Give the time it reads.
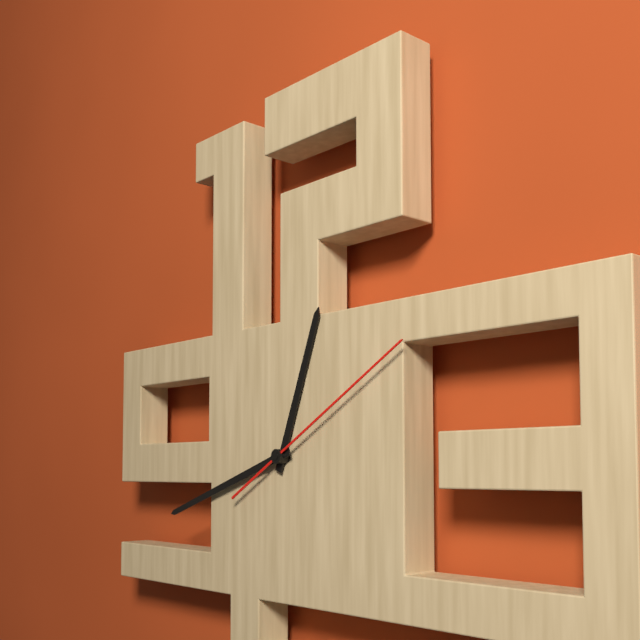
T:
12.42.10
